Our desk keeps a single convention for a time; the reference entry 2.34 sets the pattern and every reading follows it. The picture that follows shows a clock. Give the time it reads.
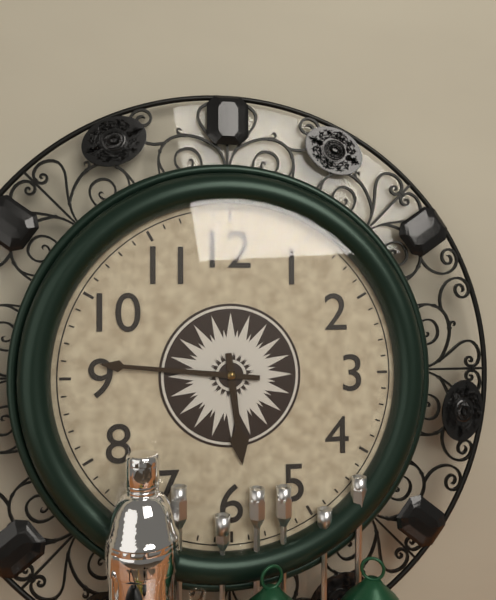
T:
5.46
